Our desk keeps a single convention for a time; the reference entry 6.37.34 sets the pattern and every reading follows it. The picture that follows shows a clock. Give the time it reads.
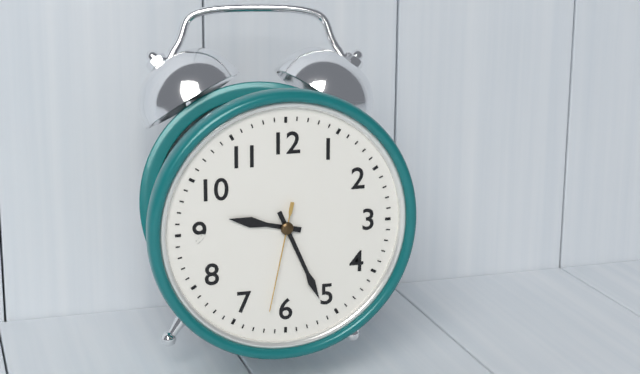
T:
9.26.32
